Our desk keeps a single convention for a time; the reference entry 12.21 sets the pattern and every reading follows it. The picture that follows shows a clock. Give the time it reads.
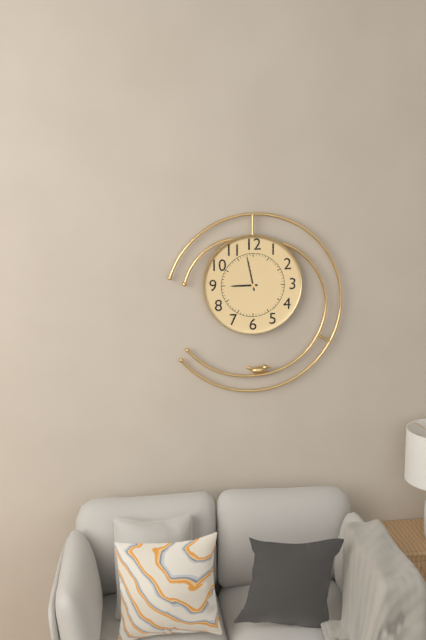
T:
8.58
